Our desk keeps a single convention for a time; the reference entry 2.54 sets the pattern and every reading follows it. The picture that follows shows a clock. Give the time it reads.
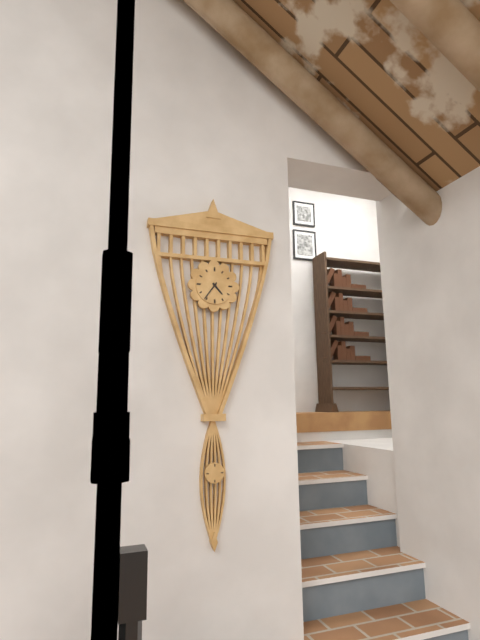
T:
4.36
